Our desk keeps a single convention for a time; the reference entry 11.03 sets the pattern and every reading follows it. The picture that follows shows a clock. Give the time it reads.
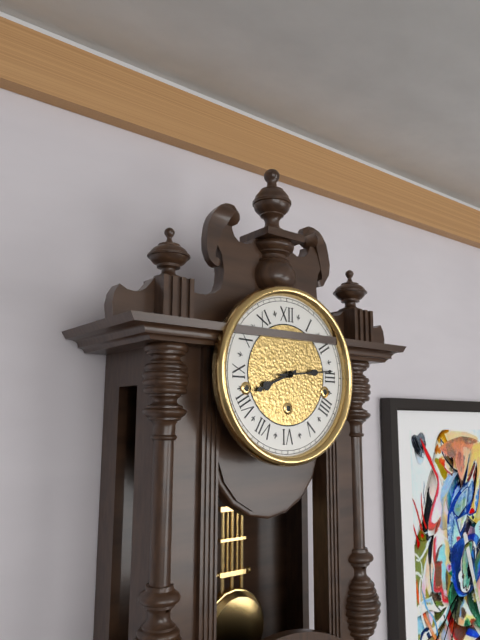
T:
8.14
